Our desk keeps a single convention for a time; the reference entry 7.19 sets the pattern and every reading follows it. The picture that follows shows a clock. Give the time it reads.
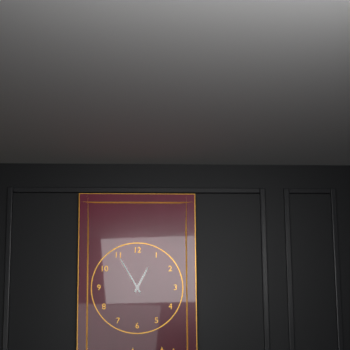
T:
12.55
